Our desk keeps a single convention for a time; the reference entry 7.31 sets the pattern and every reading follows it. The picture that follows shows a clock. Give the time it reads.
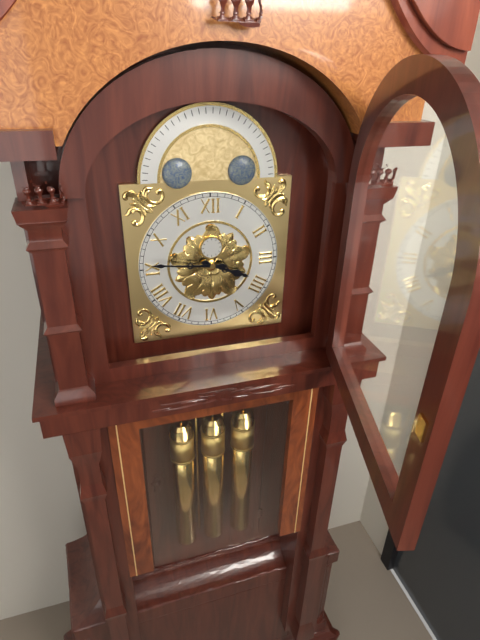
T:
3.46
